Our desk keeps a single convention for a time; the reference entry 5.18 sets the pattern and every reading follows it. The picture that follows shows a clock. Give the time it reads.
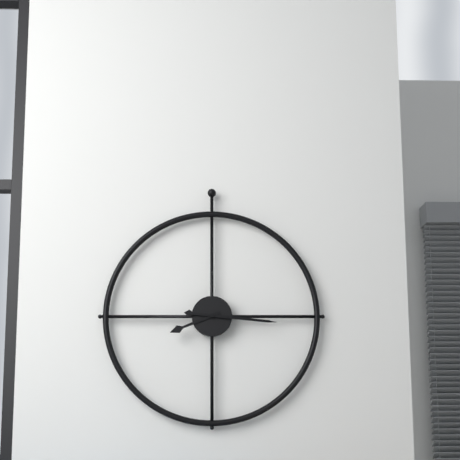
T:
8.16
